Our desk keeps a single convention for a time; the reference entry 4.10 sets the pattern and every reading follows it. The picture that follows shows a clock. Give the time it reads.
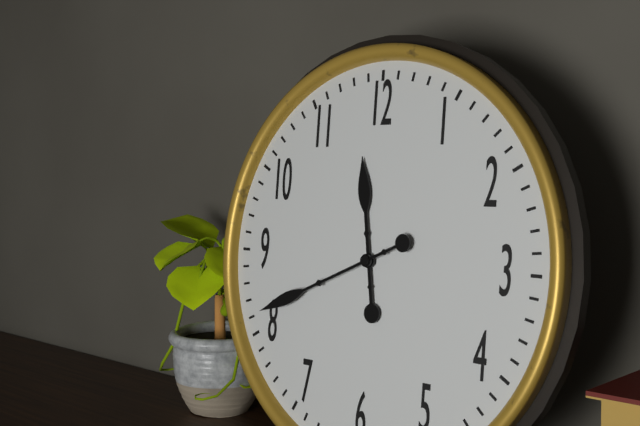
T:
11.41
